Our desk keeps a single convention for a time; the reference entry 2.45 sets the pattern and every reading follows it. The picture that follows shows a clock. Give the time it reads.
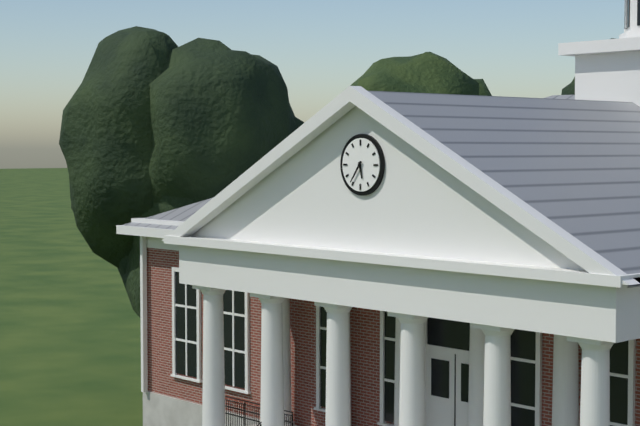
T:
5.36
